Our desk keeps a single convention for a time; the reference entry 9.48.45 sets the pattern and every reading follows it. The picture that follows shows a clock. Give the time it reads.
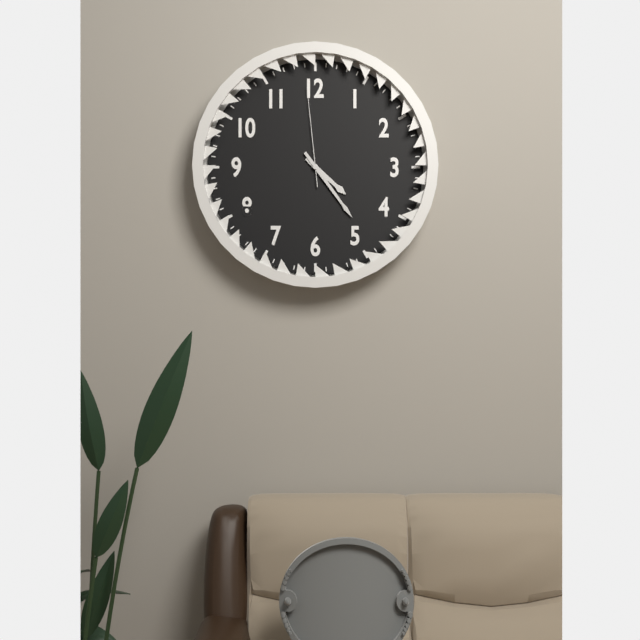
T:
4.24.59
